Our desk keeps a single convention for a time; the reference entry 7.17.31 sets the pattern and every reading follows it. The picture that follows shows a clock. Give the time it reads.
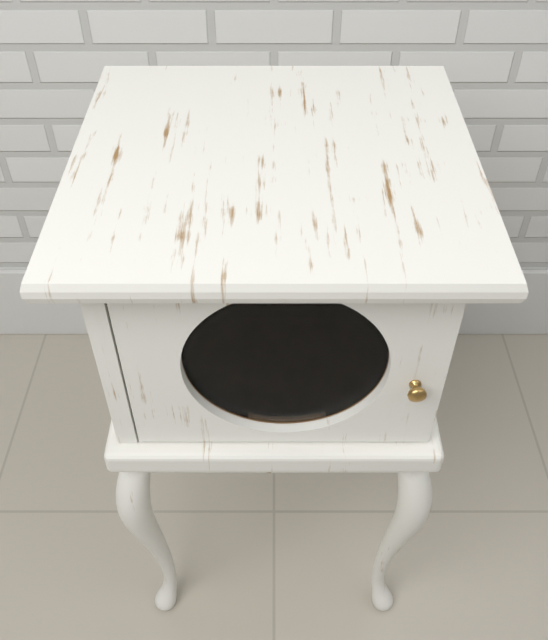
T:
1.25.35
